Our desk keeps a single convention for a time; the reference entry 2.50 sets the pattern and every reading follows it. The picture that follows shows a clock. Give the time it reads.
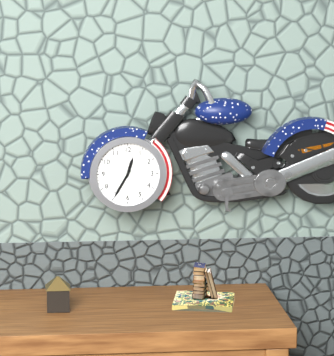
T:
12.35
